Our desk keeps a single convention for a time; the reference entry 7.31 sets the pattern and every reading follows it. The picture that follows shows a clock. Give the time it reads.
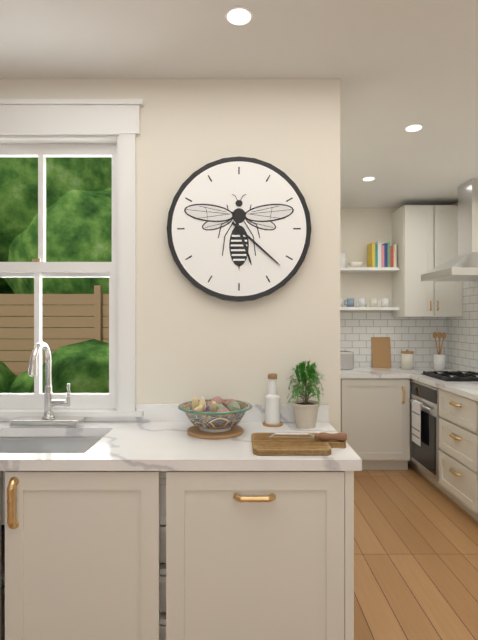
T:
5.22
